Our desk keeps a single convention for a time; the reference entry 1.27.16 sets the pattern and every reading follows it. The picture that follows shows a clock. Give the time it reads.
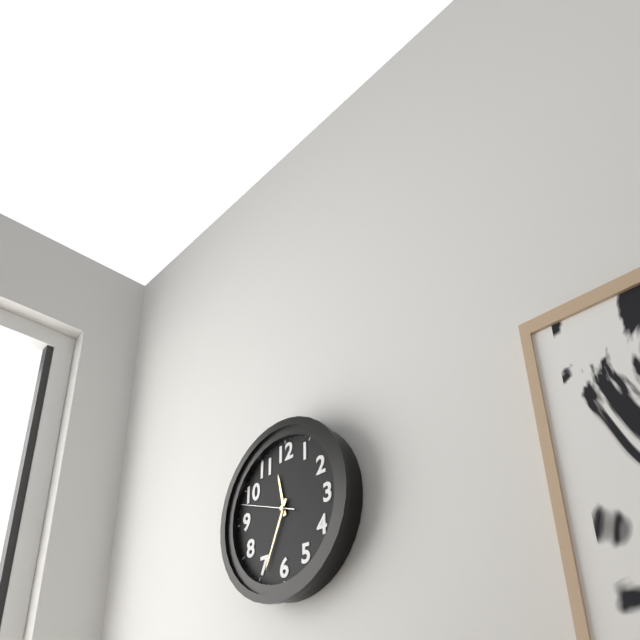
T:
11.34.48
